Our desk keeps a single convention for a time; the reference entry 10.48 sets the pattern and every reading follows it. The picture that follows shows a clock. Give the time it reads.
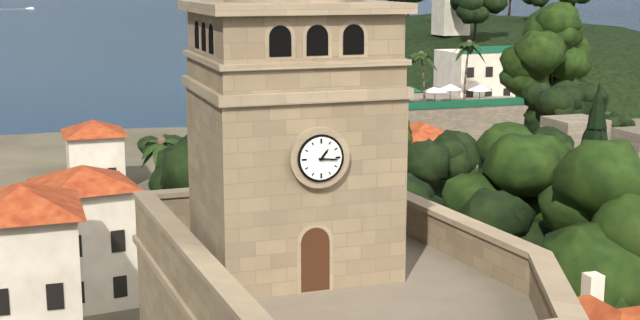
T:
1.16
